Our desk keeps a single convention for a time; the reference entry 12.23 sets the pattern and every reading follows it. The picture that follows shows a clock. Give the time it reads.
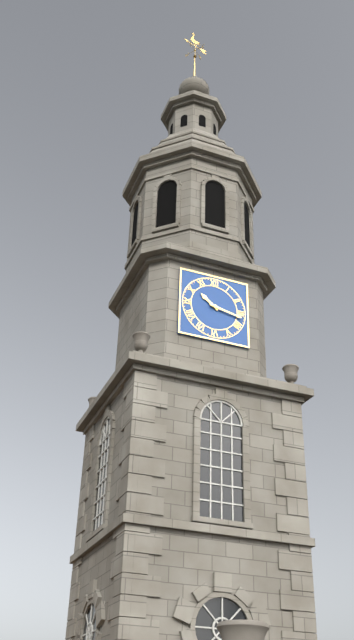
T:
10.17
